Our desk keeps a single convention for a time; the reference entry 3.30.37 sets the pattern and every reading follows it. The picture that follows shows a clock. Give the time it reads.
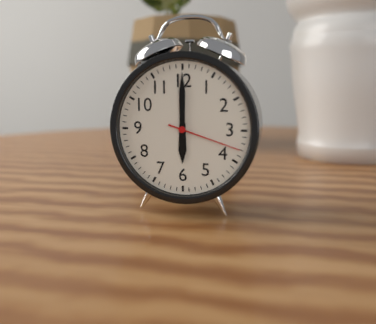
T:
6.00.18
